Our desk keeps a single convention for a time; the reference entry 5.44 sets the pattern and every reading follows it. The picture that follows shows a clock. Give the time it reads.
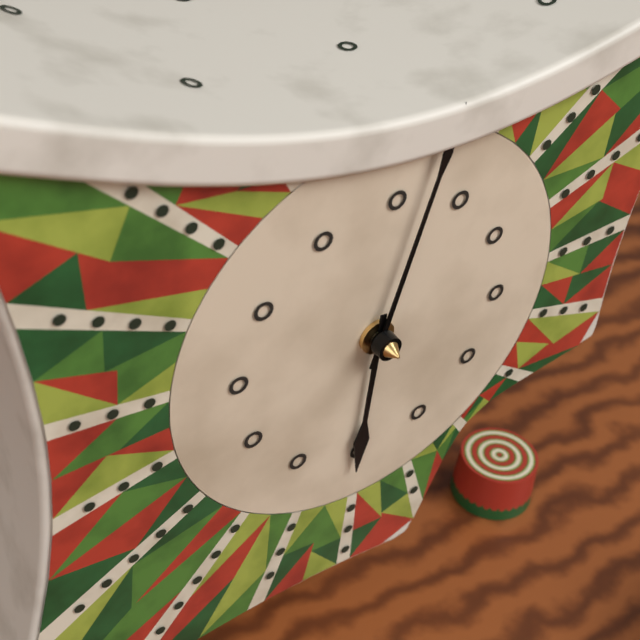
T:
6.02
